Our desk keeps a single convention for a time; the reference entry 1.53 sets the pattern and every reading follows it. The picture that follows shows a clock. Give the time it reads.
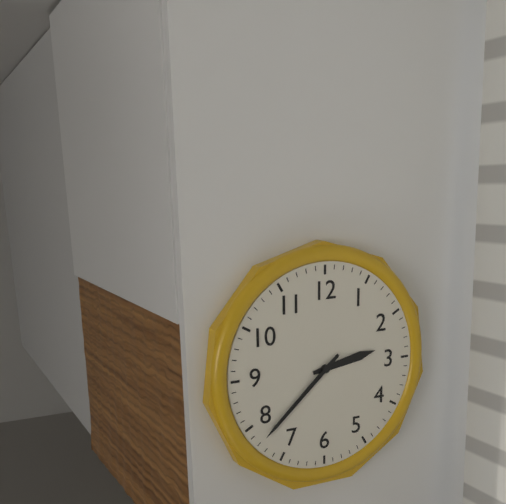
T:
2.38
